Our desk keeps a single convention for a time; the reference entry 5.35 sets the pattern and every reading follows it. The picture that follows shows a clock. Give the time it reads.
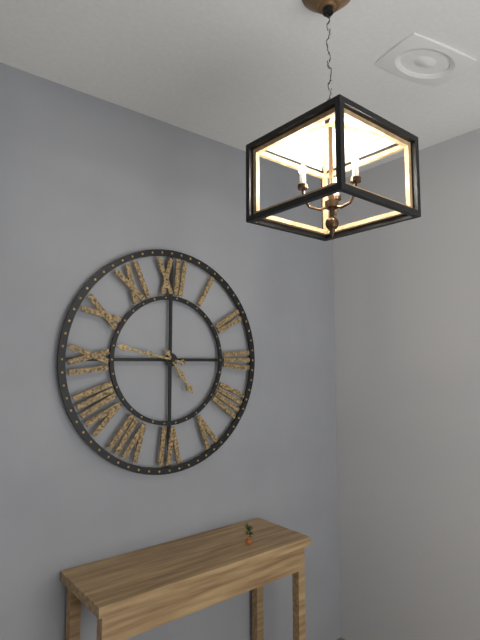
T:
4.47
